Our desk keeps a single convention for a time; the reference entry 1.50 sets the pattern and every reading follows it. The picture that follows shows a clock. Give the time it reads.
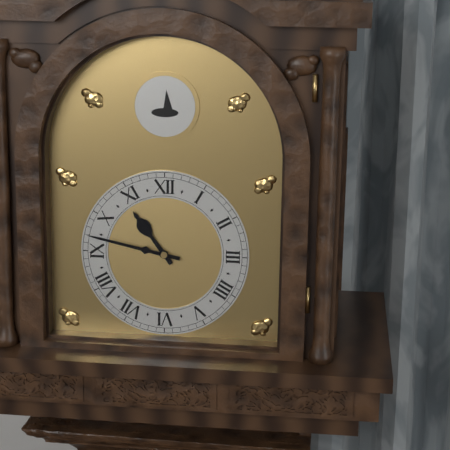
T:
10.47
